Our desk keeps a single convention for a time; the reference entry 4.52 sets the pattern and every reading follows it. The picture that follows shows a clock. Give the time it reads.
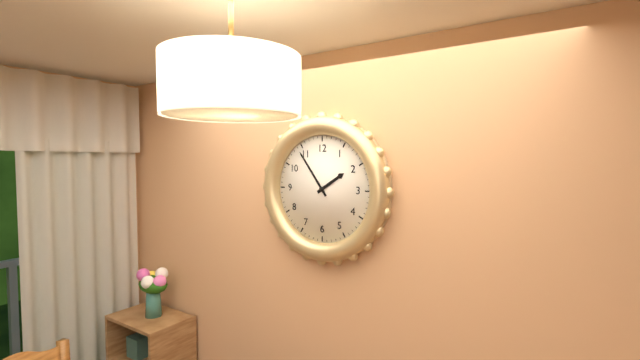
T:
1.54
